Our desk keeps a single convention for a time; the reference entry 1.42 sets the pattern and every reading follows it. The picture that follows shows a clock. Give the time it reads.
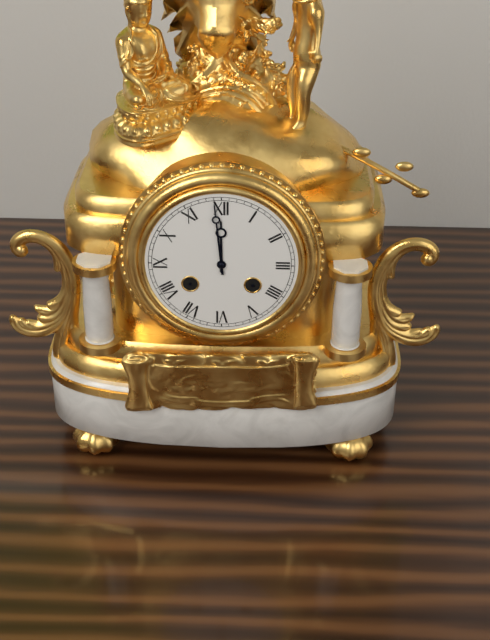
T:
11.59
